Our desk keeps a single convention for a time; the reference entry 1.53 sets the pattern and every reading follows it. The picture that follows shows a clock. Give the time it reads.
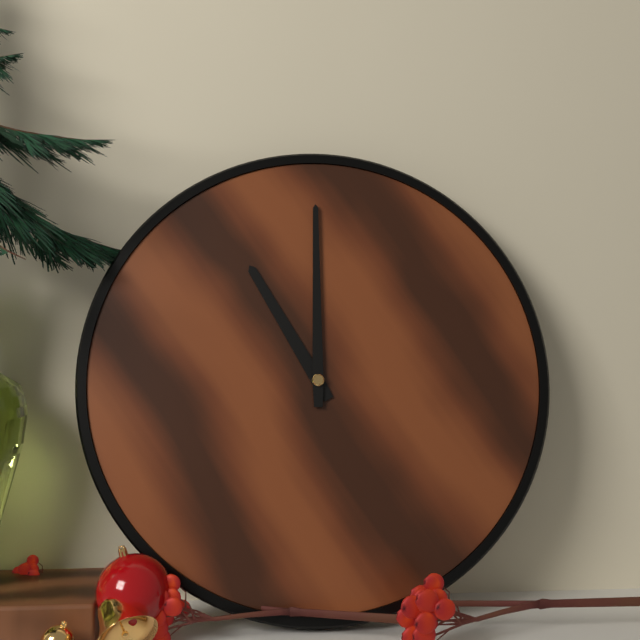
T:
11.00
